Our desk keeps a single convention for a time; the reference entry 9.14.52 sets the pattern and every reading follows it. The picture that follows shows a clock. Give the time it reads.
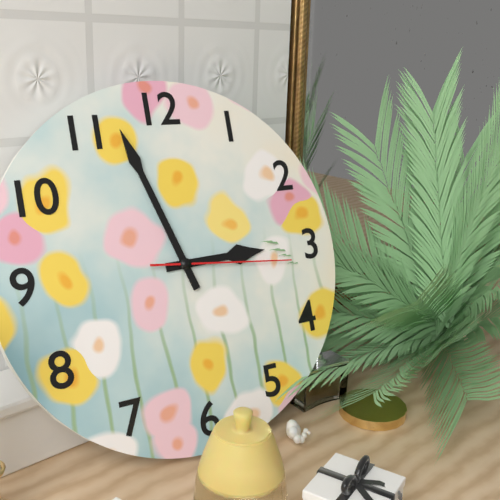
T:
2.57.16
